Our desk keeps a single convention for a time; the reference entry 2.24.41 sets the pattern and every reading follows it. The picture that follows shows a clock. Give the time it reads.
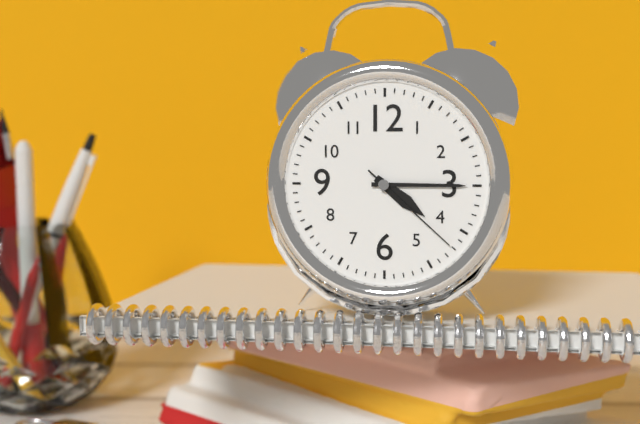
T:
4.15.22
